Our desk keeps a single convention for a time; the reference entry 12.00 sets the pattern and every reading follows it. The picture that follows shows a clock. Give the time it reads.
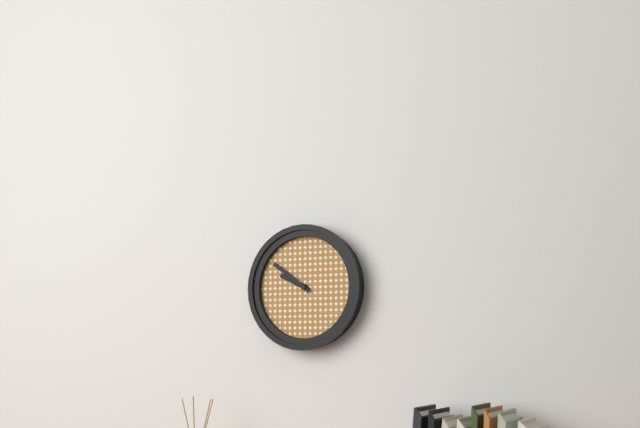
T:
9.51
